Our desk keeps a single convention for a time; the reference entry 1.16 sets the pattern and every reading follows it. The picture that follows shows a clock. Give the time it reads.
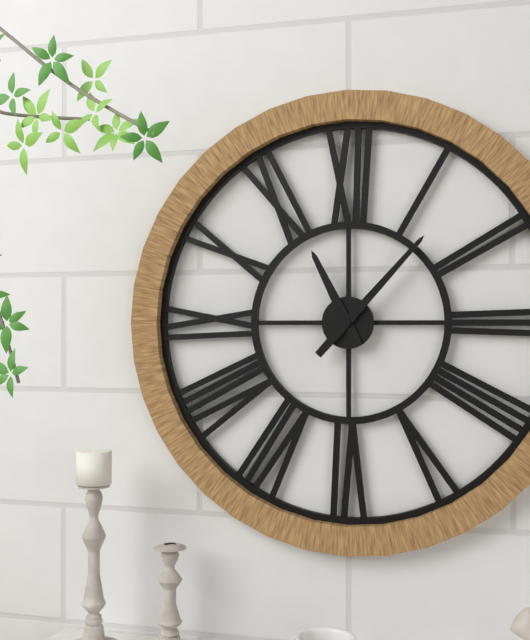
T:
11.07
